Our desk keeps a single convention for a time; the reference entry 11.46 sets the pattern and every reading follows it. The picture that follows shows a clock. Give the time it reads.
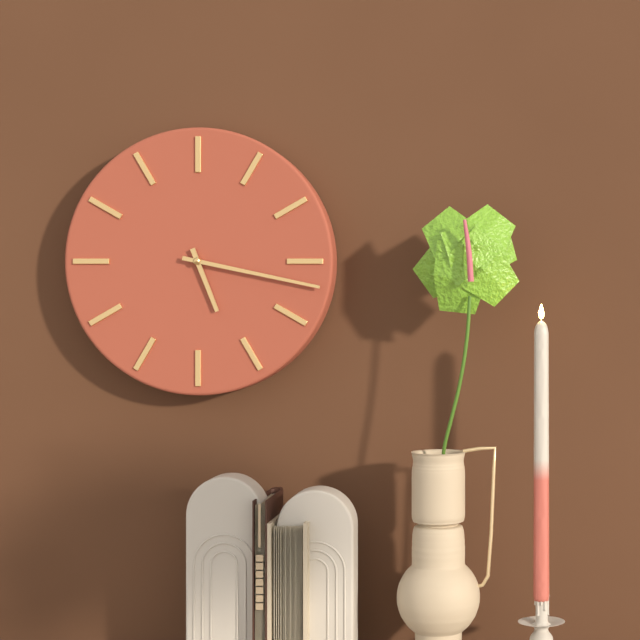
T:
5.17
